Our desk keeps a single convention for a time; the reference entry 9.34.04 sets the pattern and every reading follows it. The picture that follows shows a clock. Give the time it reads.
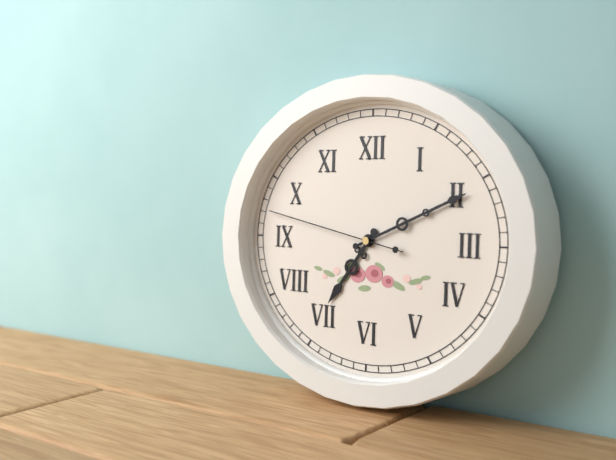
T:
7.11.47
